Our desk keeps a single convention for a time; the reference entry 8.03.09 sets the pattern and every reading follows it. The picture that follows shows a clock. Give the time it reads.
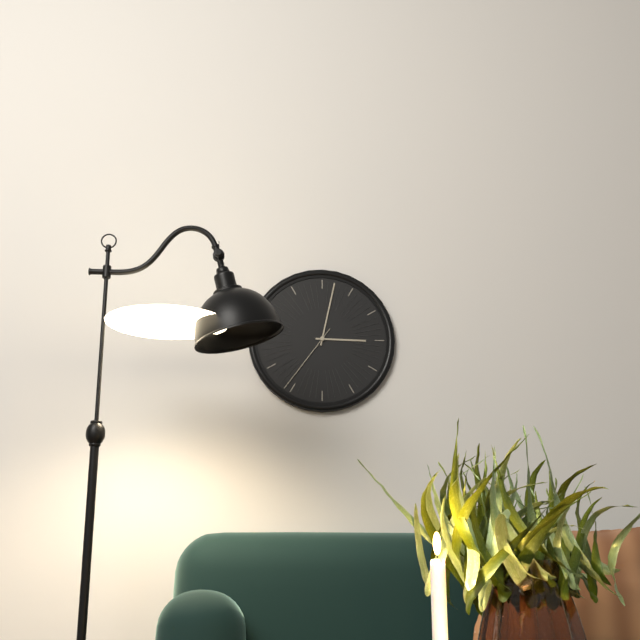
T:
3.02.36
